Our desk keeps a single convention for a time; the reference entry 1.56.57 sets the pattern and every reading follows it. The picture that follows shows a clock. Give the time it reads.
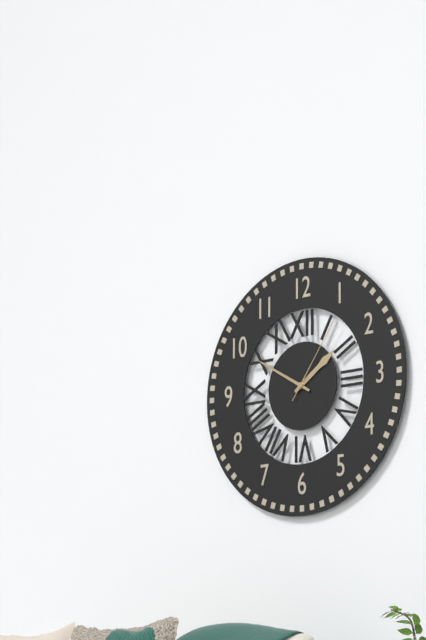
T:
1.50.06
